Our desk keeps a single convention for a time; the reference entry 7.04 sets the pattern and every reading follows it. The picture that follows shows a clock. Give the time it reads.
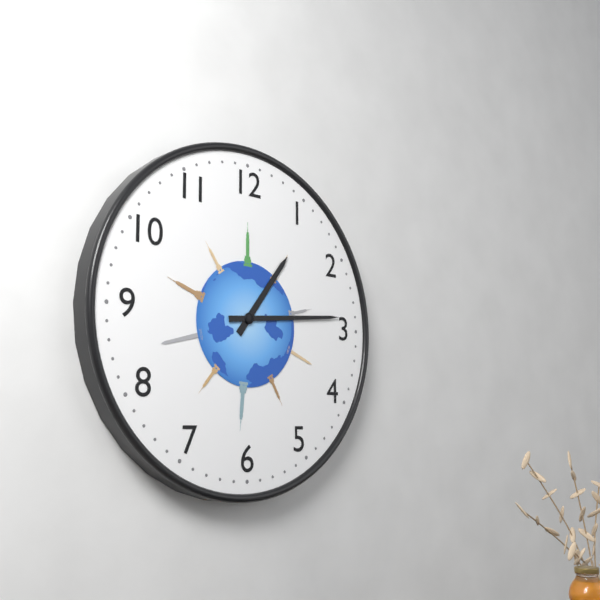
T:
1.14
